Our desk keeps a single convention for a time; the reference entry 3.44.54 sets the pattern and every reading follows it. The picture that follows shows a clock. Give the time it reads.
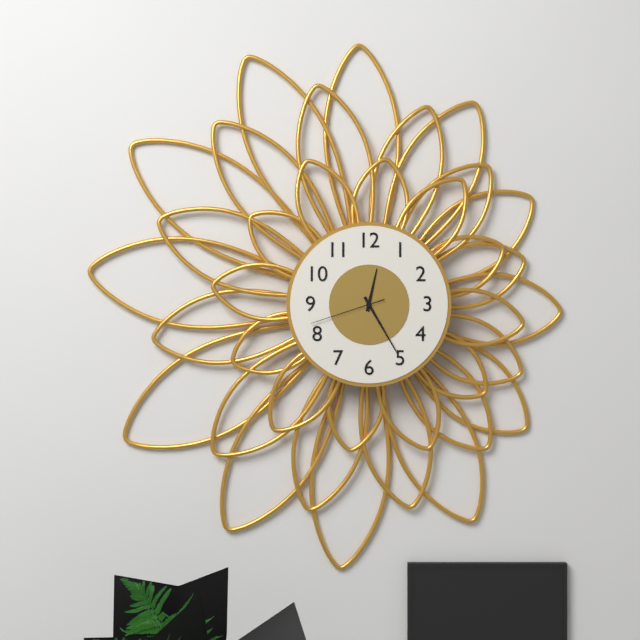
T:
12.25.42
